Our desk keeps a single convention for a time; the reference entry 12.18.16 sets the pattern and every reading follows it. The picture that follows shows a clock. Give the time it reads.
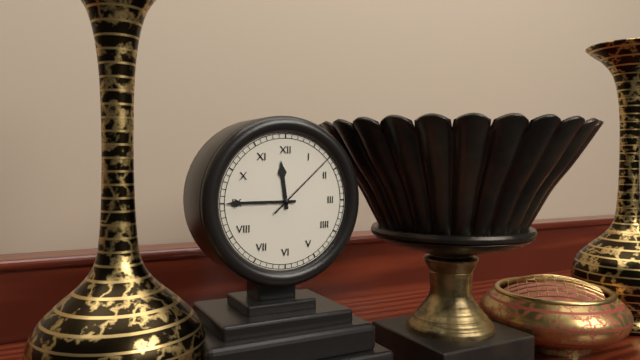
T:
11.45.08
